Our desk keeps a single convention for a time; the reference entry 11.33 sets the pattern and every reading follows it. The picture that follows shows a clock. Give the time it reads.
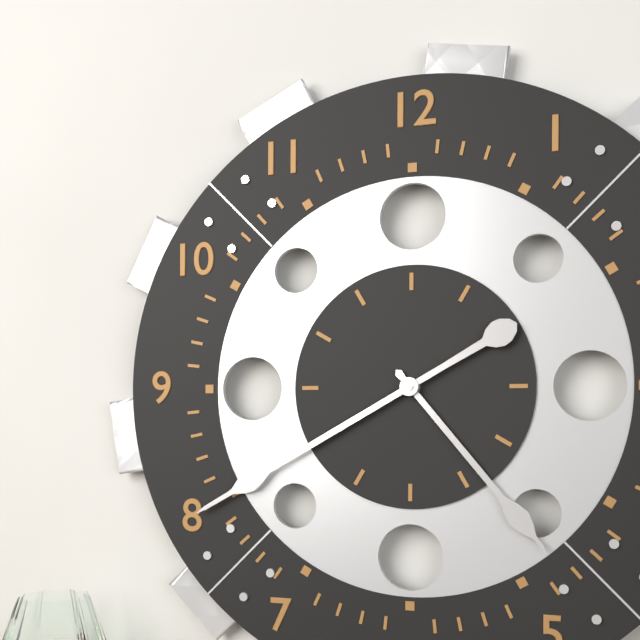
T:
4.40
